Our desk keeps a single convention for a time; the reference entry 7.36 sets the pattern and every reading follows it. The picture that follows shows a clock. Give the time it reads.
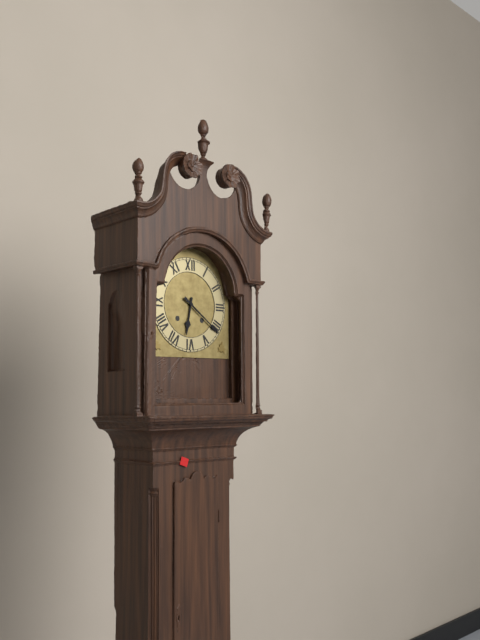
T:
6.21
